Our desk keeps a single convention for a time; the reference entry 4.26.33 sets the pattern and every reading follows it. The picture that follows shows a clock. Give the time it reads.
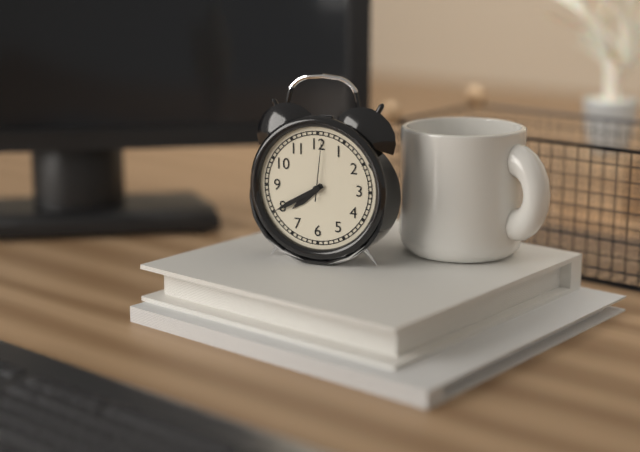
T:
7.40.01
